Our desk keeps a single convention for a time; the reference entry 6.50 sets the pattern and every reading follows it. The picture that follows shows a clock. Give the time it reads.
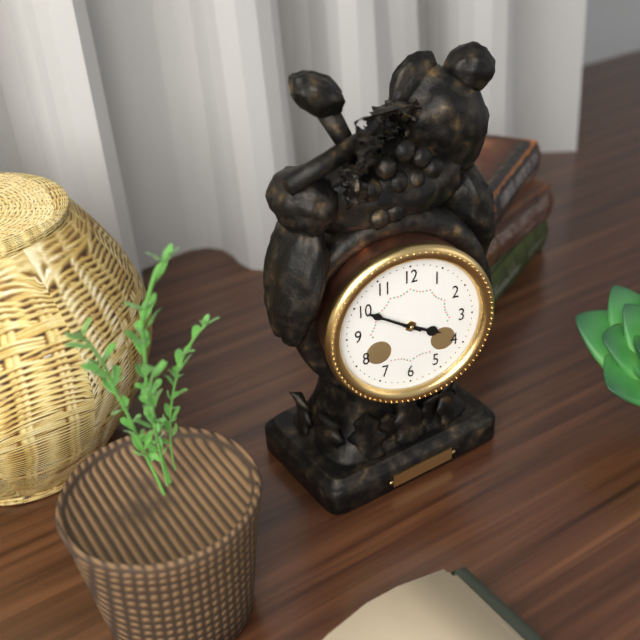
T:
3.50
